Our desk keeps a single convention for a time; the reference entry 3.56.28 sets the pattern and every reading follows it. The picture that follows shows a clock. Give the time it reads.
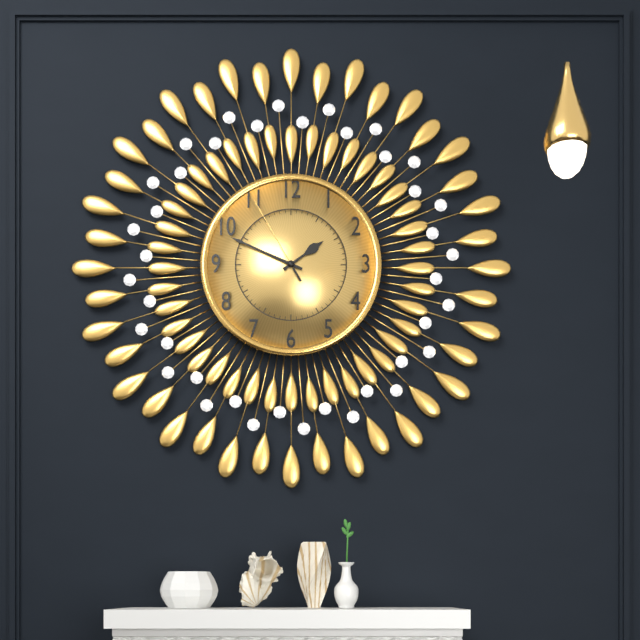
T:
1.49.55
